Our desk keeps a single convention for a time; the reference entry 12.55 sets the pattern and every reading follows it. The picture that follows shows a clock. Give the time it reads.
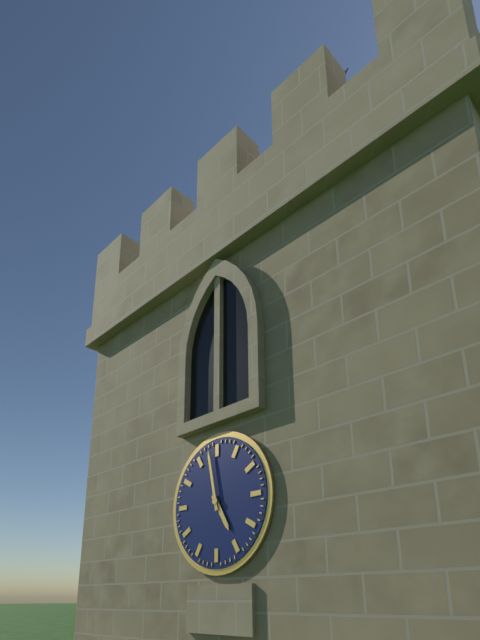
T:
4.58
